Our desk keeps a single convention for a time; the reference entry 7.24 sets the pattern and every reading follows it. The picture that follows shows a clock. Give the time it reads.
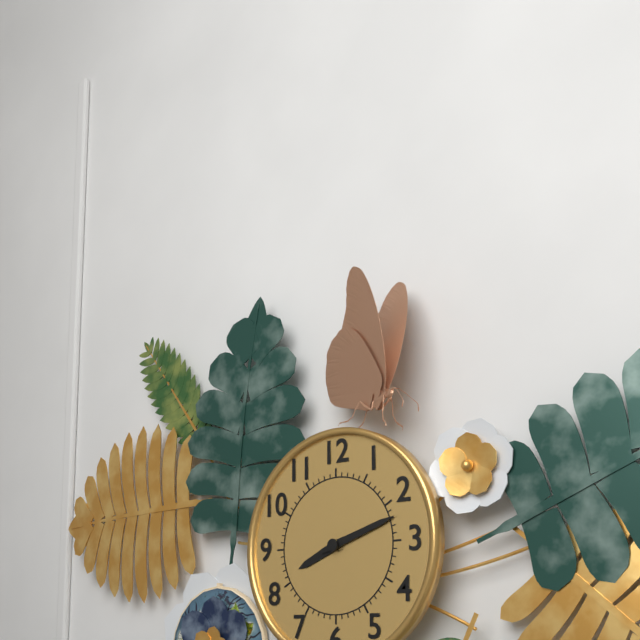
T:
8.12
